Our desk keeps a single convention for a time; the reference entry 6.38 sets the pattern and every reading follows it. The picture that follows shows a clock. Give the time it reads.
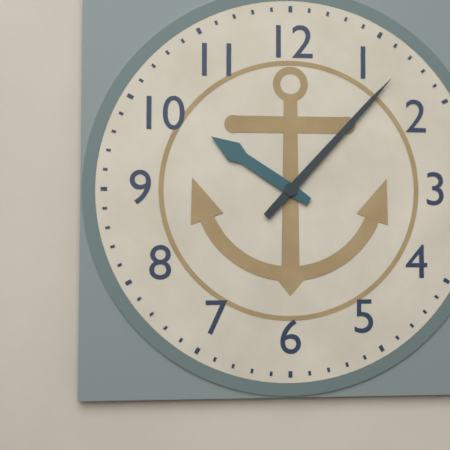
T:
10.07
